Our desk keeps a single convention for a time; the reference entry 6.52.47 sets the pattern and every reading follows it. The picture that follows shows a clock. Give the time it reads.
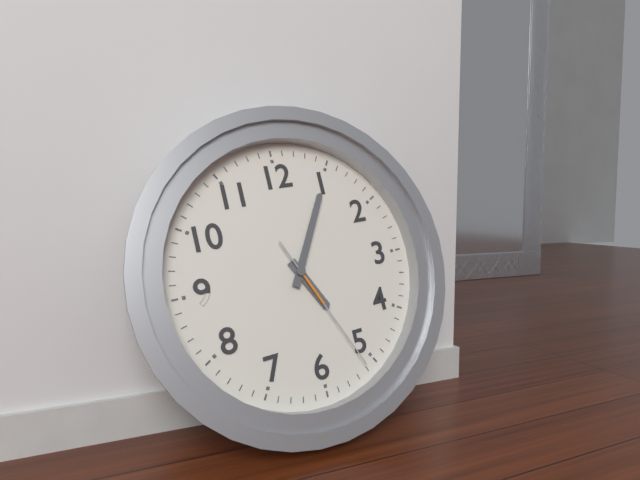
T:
5.05.26
